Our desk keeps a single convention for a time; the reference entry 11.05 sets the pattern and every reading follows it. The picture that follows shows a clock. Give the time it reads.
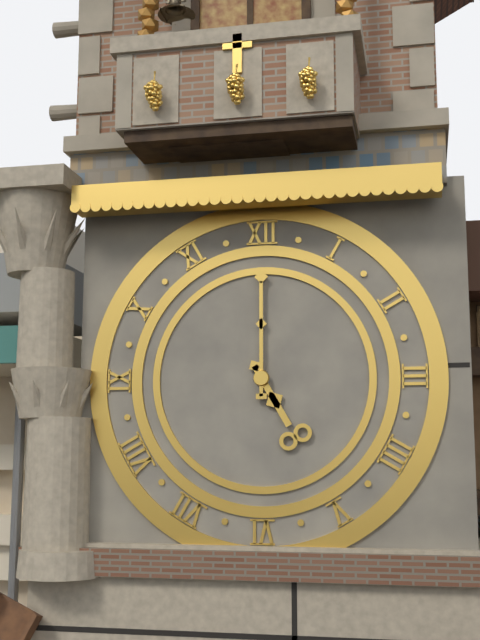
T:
5.00
